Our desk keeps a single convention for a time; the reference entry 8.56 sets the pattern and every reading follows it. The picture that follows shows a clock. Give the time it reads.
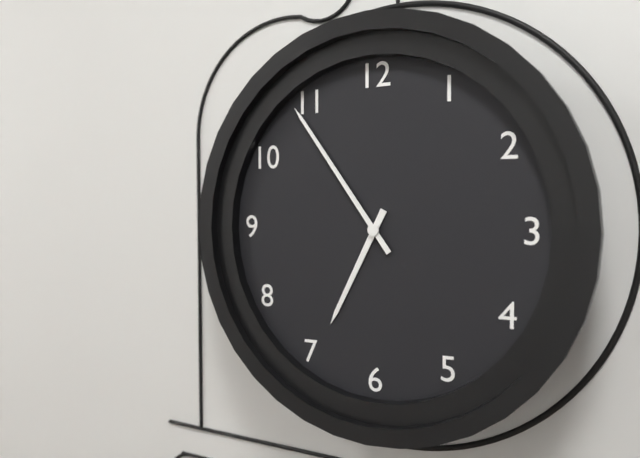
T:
6.54
